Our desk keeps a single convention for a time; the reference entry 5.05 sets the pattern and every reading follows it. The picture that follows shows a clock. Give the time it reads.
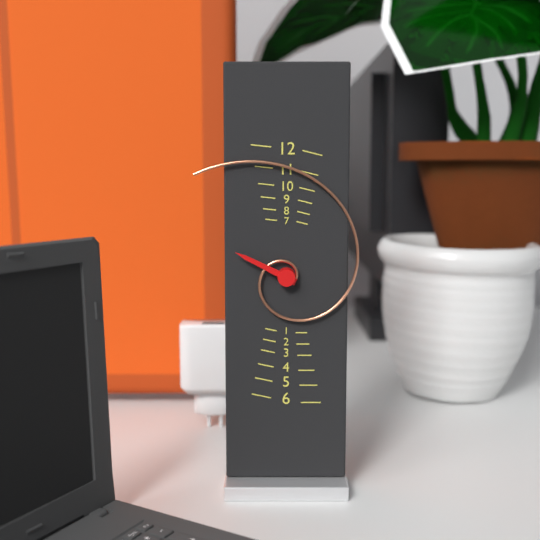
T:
9.53
